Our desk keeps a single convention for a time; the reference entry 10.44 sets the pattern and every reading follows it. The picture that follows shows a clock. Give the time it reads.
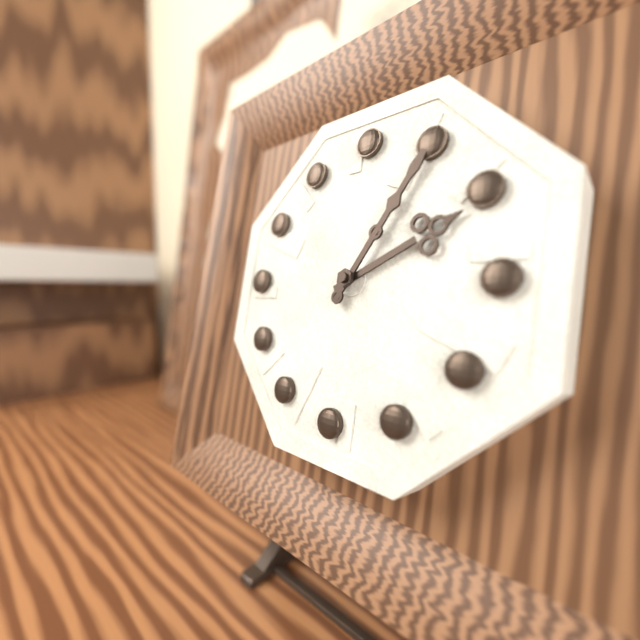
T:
2.05
